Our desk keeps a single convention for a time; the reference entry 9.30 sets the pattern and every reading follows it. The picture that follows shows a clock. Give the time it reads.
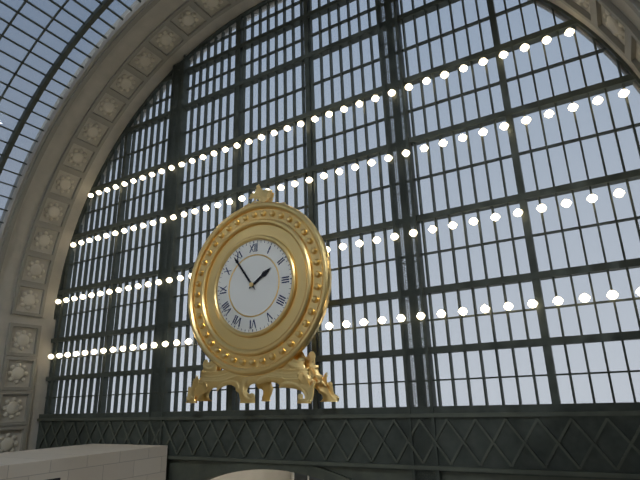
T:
1.54
